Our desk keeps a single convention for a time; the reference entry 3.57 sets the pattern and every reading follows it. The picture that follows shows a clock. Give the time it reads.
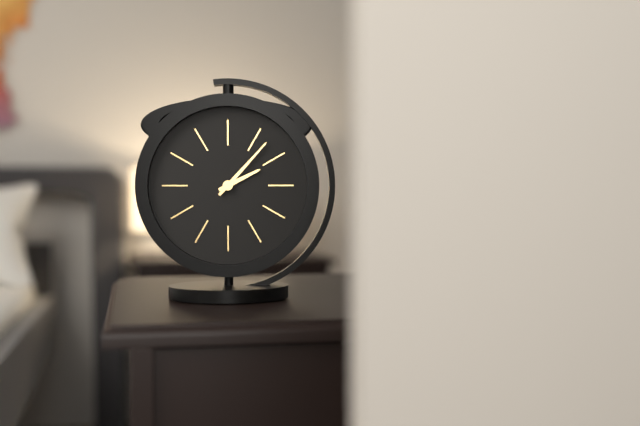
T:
2.07
